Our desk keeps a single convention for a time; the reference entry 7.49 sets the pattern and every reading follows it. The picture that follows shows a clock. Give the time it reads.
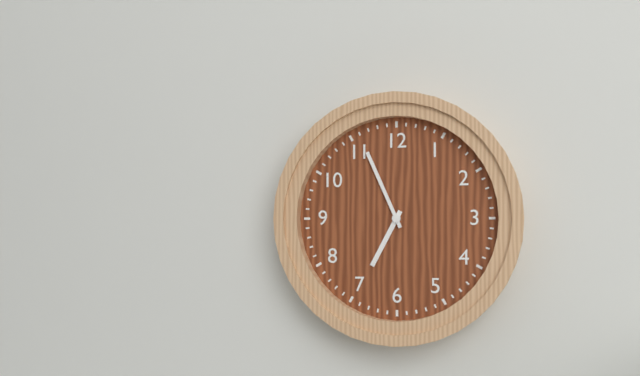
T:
6.56
